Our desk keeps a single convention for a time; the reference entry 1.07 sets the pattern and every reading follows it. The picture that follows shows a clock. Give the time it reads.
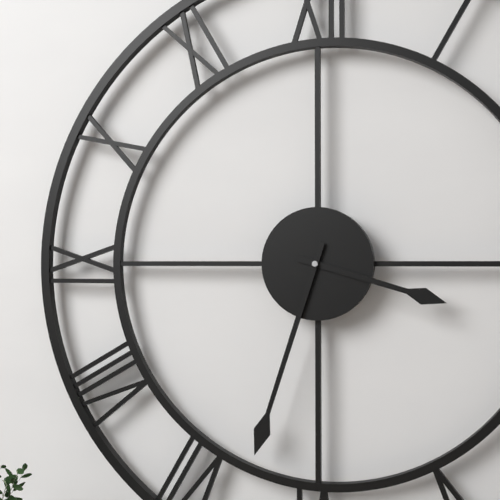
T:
3.33
